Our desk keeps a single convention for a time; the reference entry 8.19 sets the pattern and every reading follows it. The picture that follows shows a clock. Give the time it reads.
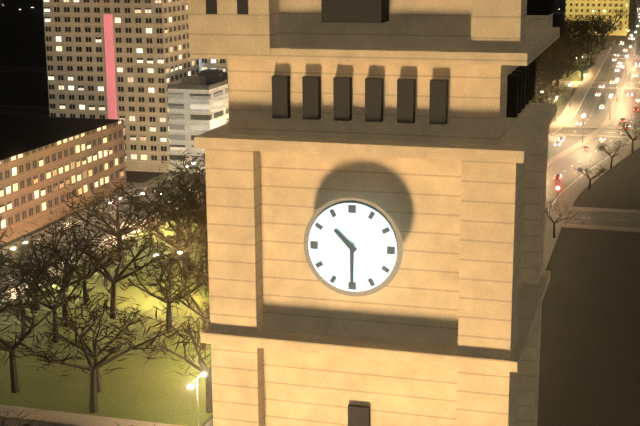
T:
10.30
